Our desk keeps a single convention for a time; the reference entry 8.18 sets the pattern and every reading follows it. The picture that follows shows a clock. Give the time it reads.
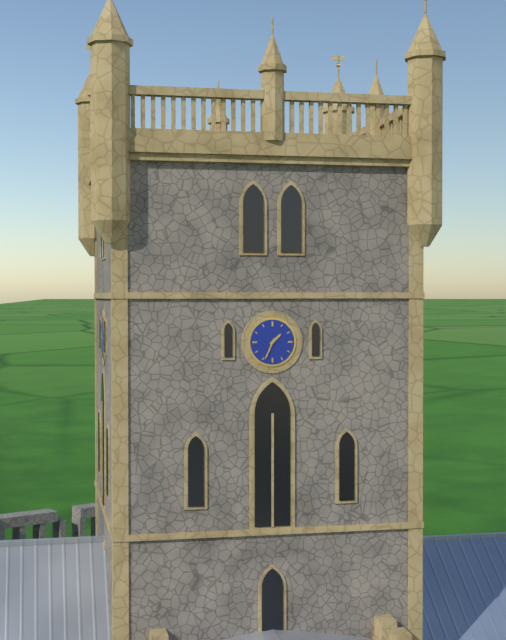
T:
1.34
